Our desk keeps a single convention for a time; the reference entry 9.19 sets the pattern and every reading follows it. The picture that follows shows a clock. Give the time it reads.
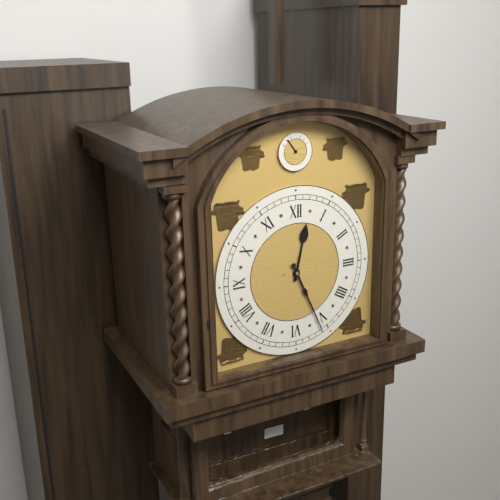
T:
12.26
